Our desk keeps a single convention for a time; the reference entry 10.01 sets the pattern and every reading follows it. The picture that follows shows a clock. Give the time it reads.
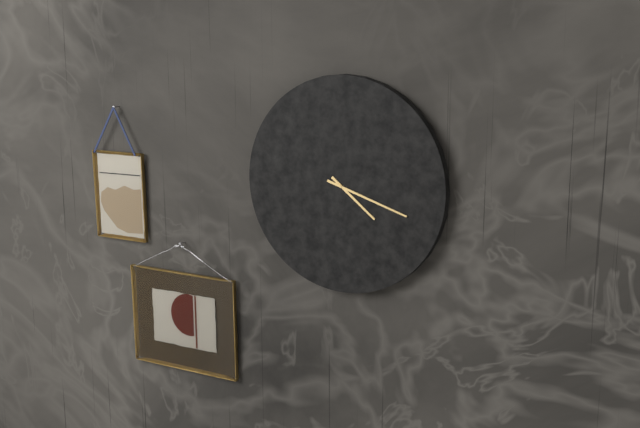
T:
4.18
